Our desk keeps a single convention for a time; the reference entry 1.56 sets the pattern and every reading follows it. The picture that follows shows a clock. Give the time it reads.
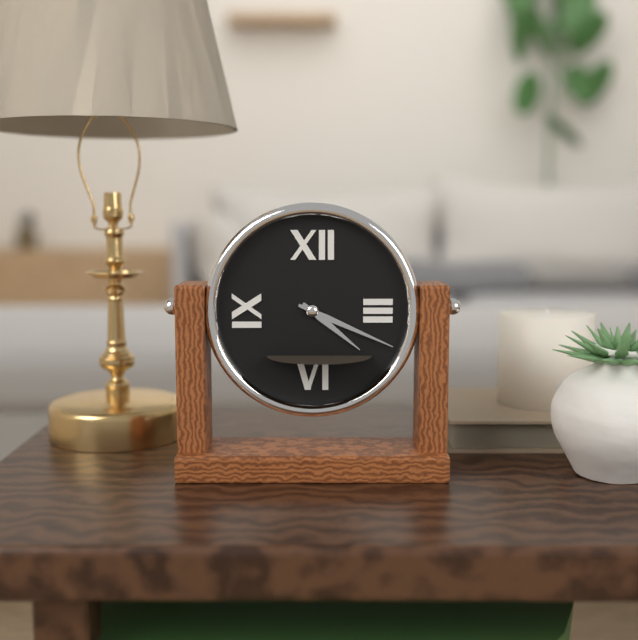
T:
4.19
